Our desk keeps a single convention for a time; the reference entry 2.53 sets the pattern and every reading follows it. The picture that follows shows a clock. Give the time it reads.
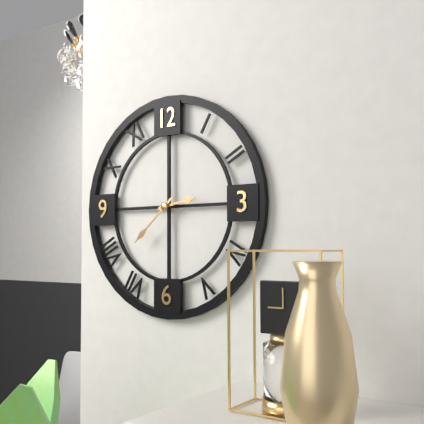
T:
2.38
